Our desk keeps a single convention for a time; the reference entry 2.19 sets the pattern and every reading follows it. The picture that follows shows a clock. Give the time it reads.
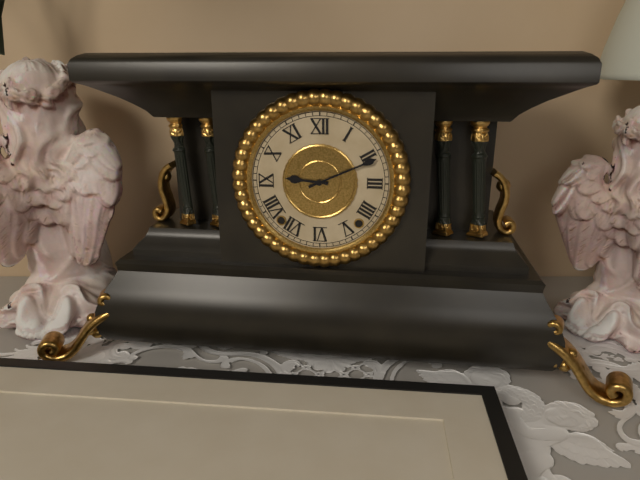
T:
9.11
